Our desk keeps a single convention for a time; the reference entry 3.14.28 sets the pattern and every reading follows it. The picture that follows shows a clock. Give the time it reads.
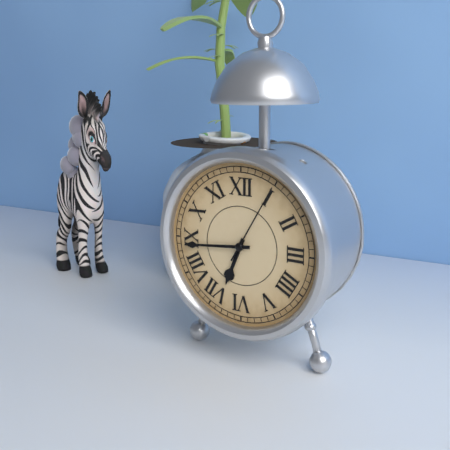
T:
6.44.05
